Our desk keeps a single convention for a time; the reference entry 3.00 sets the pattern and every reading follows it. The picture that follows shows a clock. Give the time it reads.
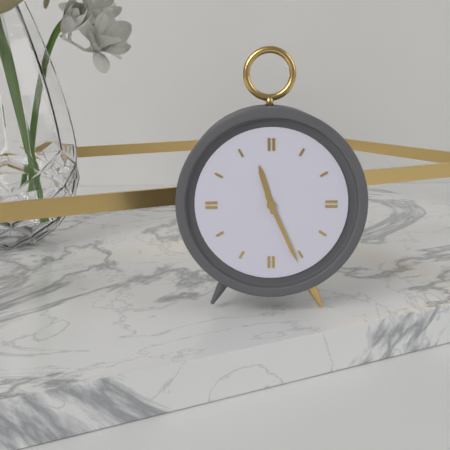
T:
11.26
